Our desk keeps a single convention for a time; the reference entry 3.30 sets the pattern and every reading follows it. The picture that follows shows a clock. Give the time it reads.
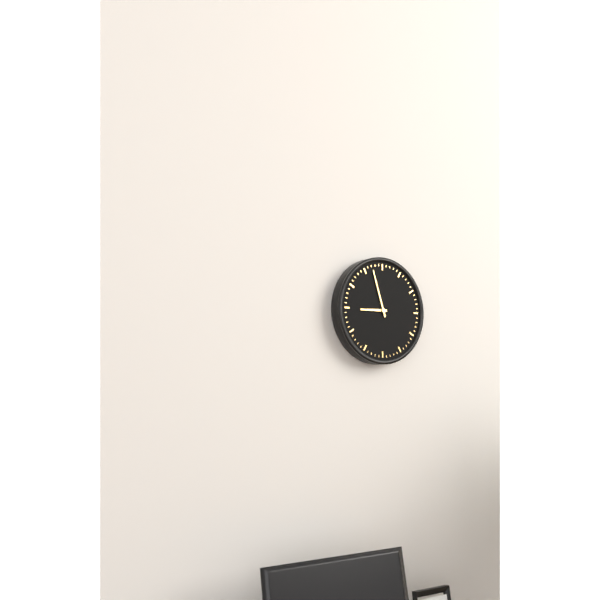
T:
8.57
